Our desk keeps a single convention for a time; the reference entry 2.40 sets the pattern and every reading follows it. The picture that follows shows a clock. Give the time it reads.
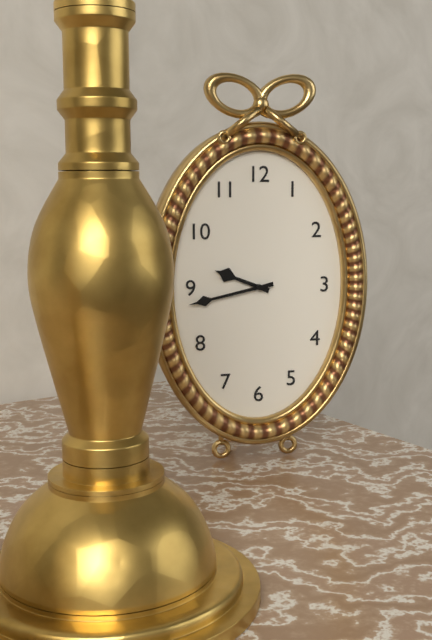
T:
9.43
